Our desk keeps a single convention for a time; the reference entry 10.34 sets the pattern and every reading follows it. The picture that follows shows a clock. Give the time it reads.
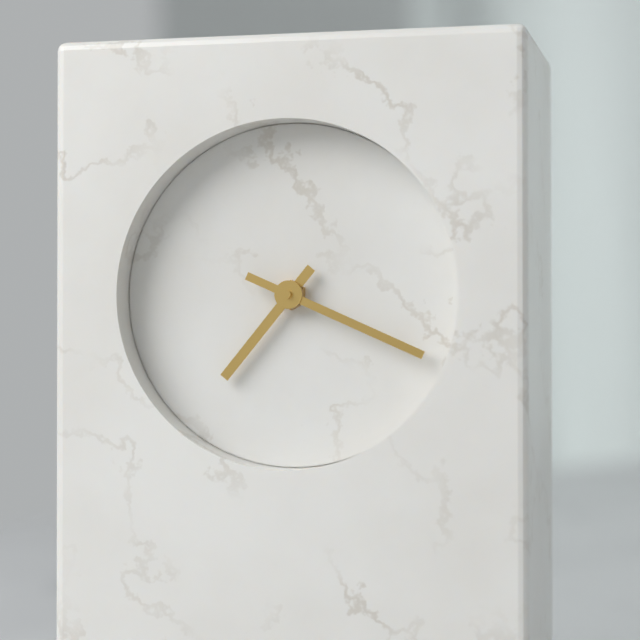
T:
7.19
